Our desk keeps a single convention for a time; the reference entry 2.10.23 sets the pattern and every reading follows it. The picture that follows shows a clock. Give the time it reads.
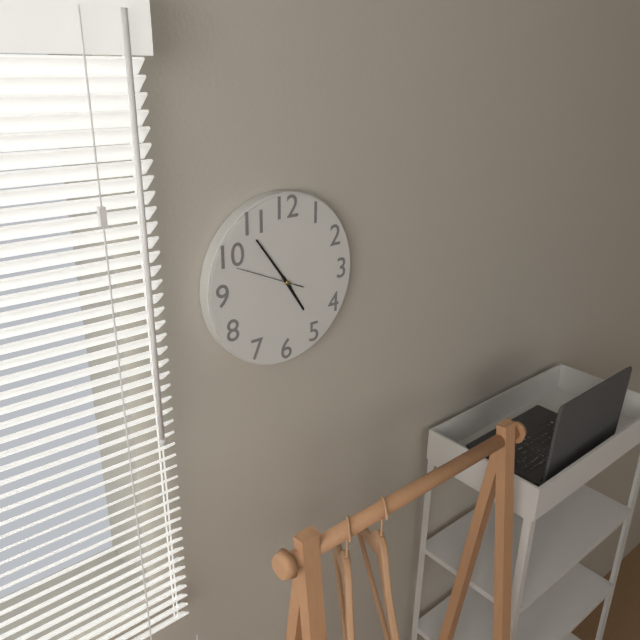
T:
4.54.49
